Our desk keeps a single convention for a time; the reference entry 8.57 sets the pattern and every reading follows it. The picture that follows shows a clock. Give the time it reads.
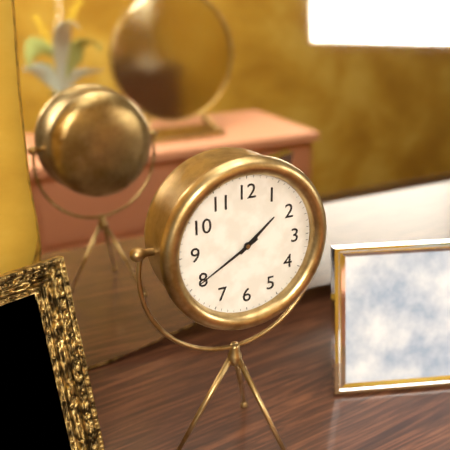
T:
1.40
